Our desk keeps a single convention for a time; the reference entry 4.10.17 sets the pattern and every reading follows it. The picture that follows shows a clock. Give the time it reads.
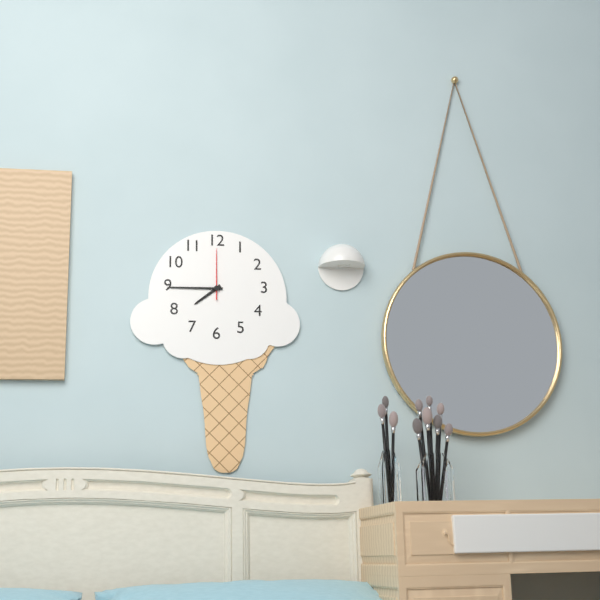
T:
7.45.00
